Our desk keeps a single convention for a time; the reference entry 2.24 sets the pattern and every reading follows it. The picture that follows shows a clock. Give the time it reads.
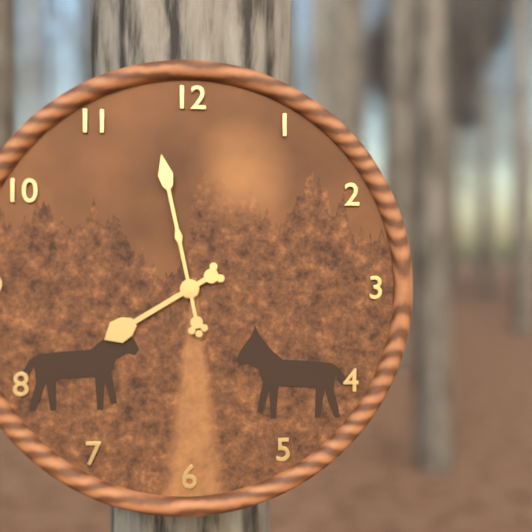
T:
7.58
